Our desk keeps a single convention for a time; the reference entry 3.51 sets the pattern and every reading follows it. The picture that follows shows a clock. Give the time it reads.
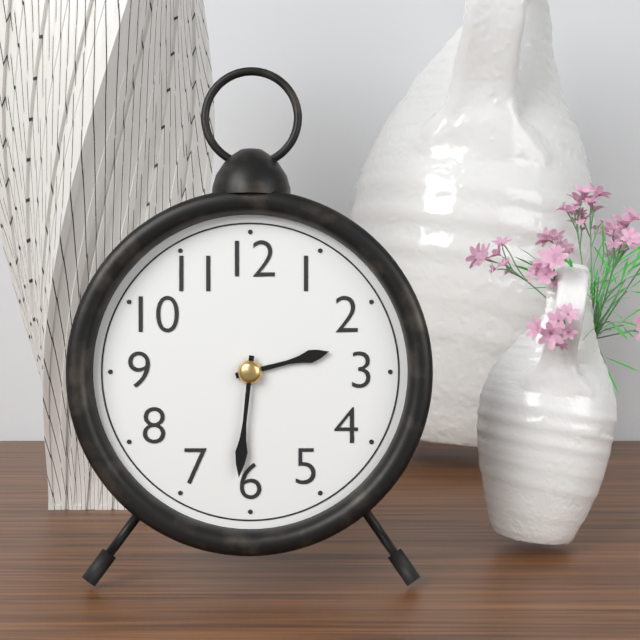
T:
2.31
